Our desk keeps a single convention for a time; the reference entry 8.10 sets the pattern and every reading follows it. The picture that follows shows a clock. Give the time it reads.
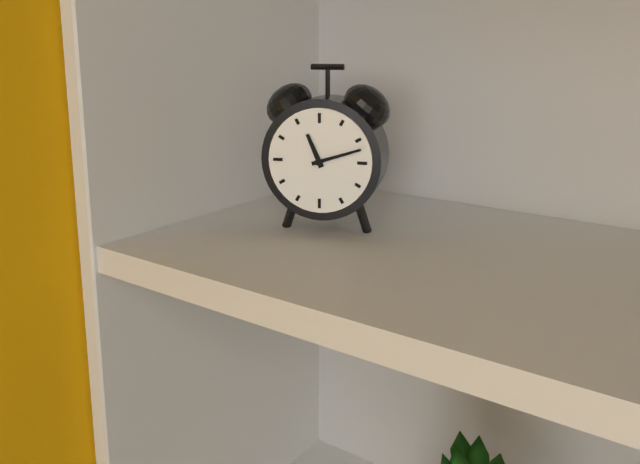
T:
11.12
